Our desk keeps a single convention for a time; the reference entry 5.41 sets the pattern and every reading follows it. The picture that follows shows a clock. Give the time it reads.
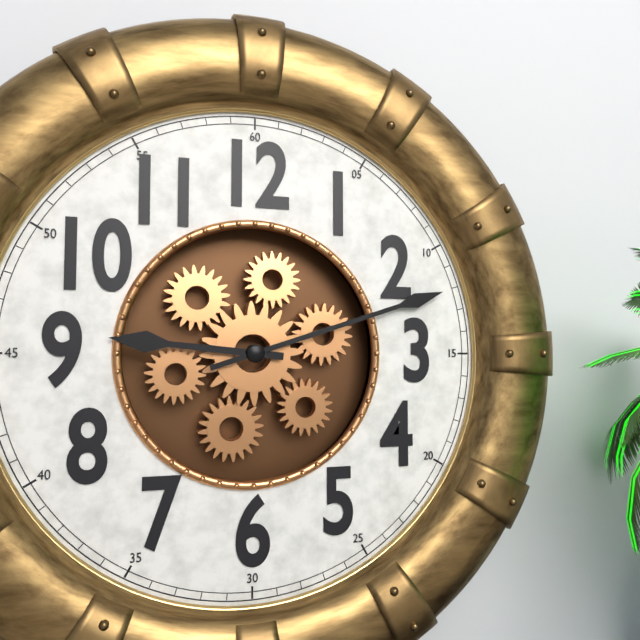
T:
9.12
